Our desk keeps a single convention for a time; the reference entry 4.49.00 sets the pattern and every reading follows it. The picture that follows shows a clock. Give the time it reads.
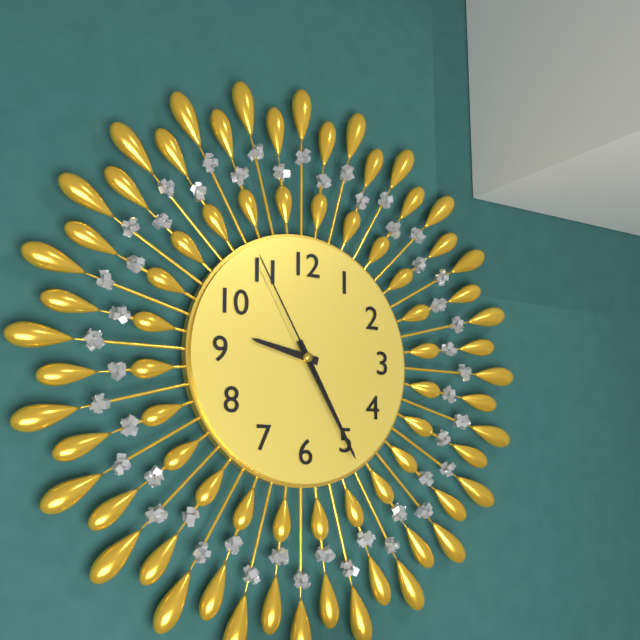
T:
9.25.55
